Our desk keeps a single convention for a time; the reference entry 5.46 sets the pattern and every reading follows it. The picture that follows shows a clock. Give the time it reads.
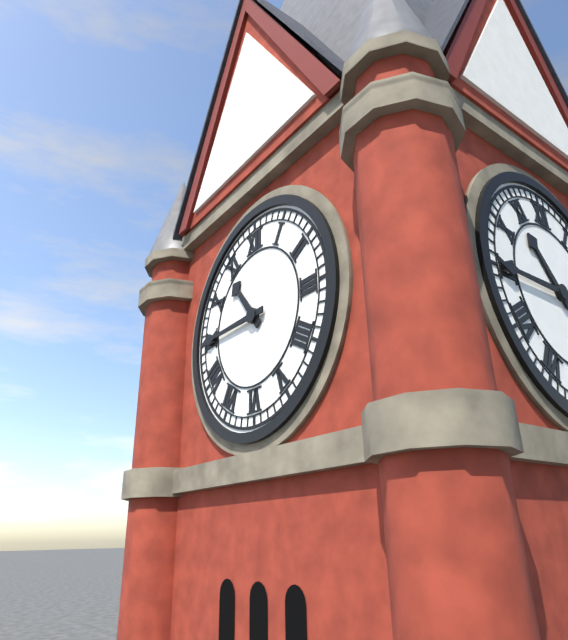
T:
10.45
